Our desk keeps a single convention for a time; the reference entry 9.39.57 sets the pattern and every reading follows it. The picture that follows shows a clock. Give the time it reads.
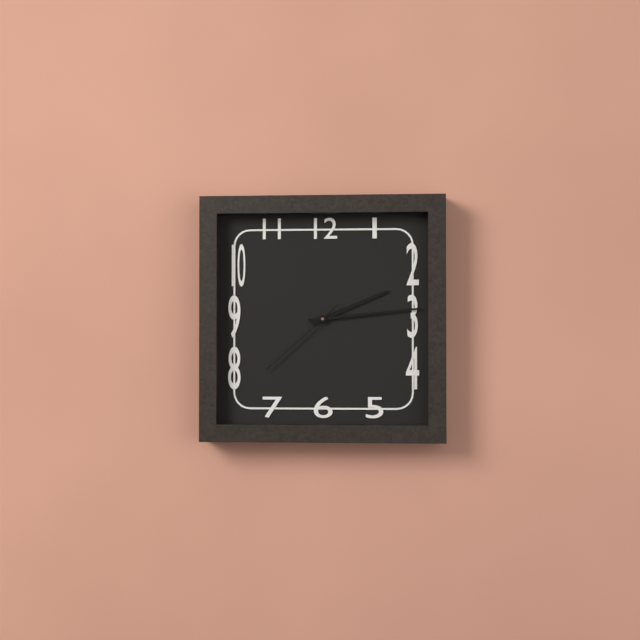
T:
2.14.38
